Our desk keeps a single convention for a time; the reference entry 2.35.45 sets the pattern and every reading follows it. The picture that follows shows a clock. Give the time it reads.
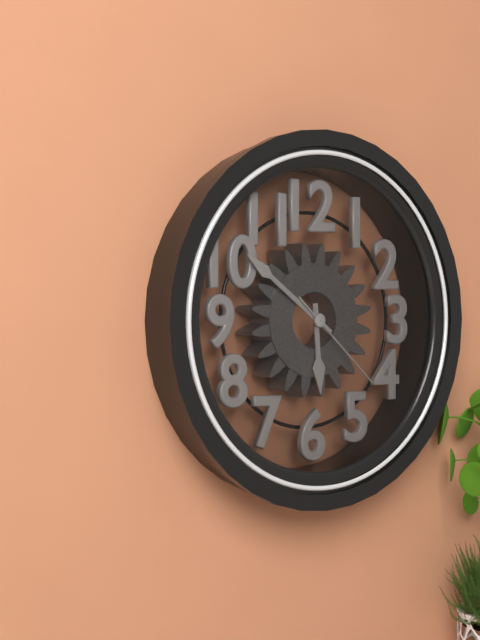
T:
5.51.22
